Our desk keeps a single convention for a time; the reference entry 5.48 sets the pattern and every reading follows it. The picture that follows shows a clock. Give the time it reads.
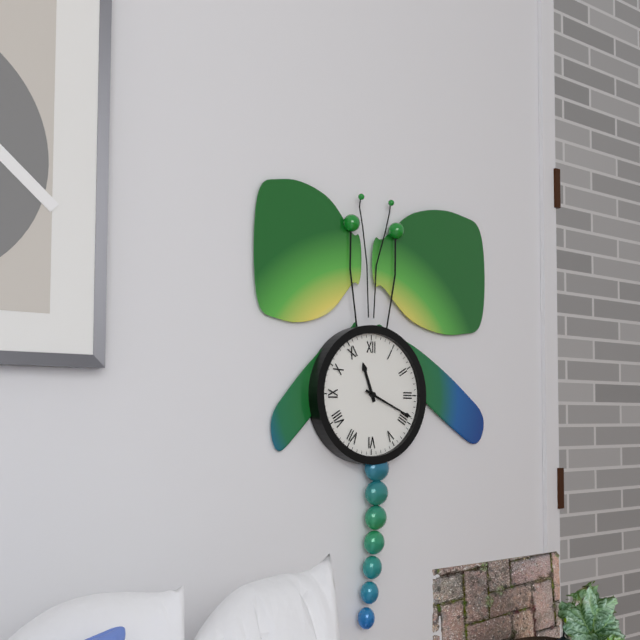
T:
11.19
